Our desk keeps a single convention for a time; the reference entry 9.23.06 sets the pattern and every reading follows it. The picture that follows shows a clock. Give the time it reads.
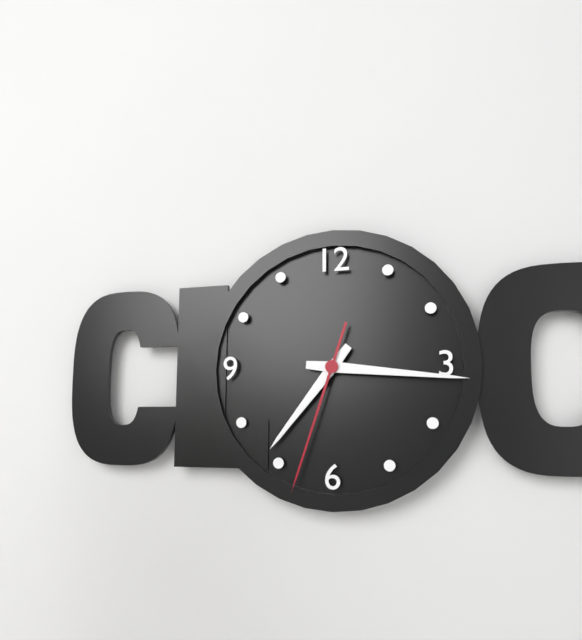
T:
7.16.33
